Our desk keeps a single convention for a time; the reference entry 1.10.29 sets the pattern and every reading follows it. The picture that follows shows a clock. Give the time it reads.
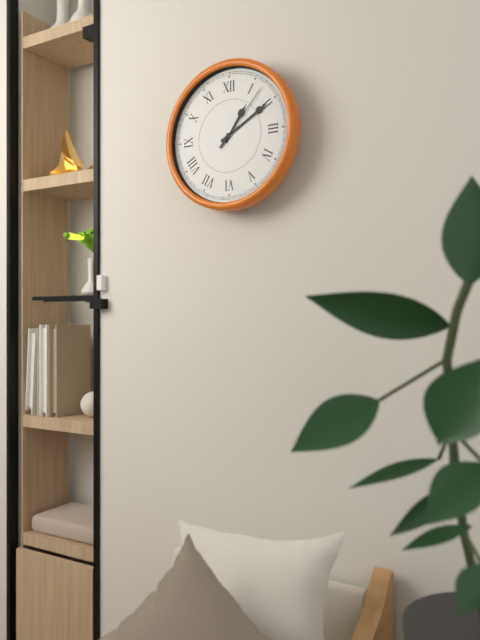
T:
1.10.07
